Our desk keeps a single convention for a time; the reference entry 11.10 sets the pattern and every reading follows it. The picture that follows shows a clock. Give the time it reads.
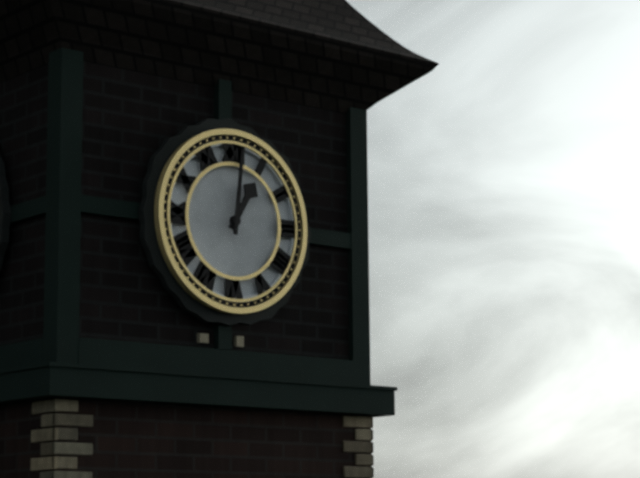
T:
1.01
